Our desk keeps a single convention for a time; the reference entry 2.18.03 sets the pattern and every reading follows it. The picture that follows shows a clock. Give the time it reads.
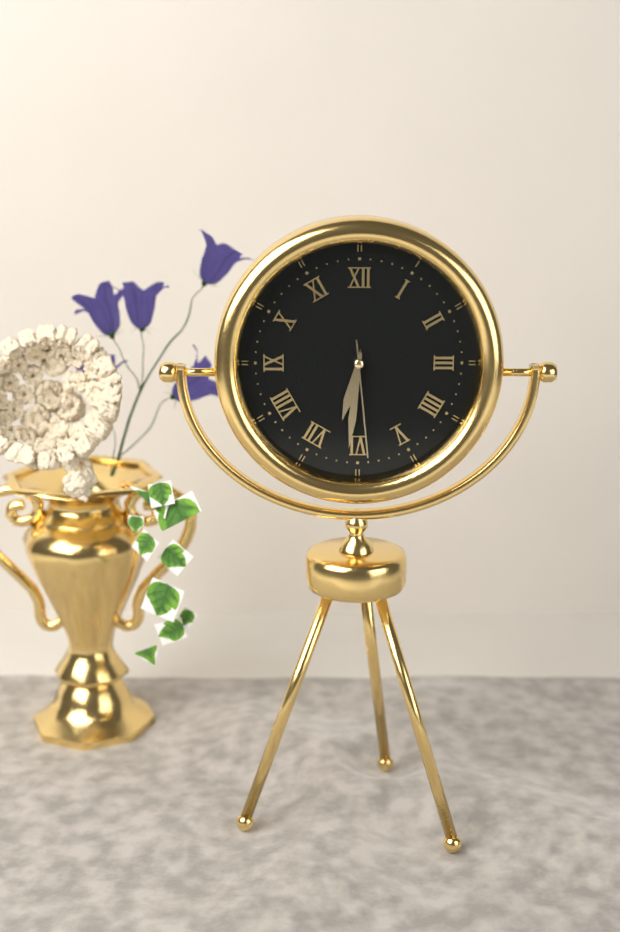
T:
6.31.29
